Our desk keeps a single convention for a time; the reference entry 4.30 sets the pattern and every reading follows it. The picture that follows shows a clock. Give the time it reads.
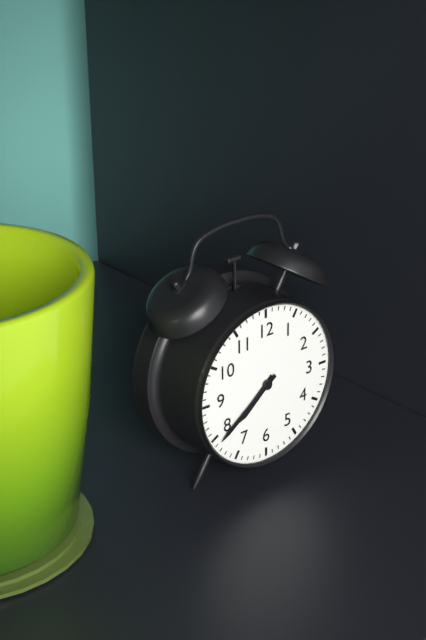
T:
7.39
